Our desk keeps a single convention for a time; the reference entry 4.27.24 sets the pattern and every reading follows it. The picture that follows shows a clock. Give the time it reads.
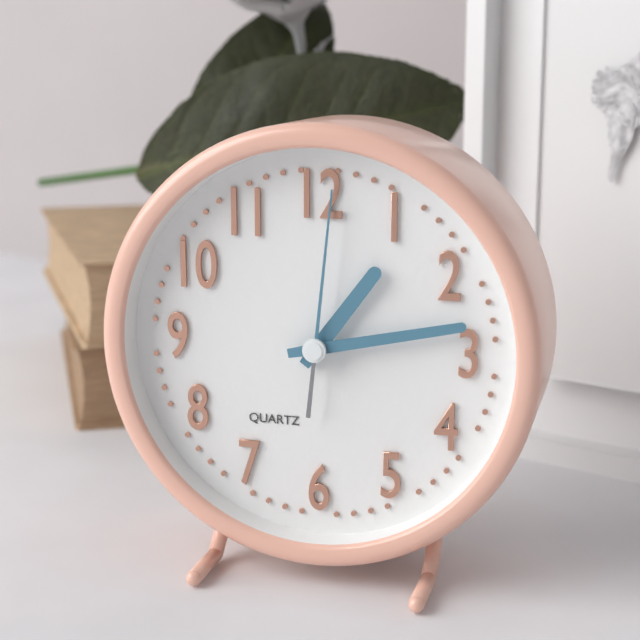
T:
1.13.01
